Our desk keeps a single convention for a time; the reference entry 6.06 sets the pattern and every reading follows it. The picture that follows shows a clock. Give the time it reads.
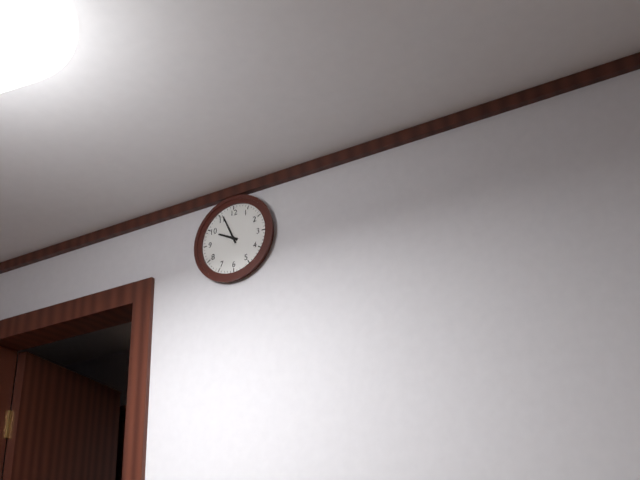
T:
9.56
